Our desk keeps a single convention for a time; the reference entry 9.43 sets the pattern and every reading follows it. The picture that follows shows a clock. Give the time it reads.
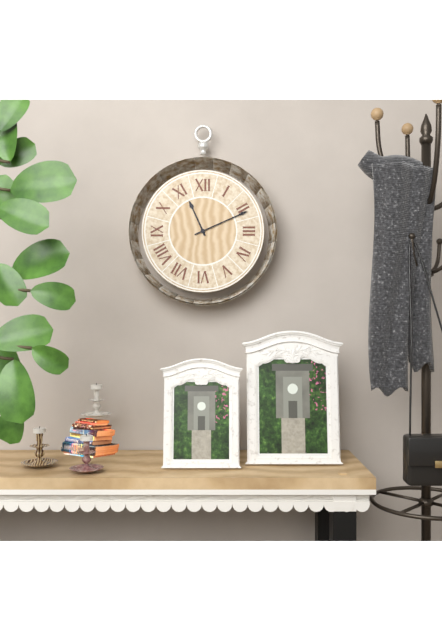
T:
11.11
